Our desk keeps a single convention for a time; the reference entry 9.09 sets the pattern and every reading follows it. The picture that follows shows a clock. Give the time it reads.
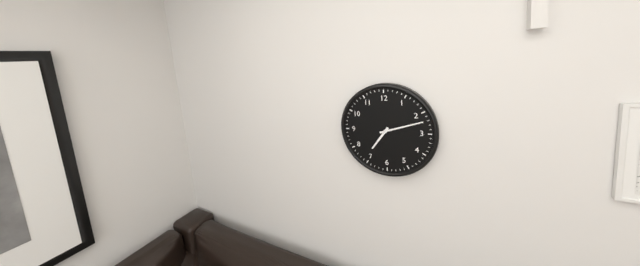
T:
7.12
